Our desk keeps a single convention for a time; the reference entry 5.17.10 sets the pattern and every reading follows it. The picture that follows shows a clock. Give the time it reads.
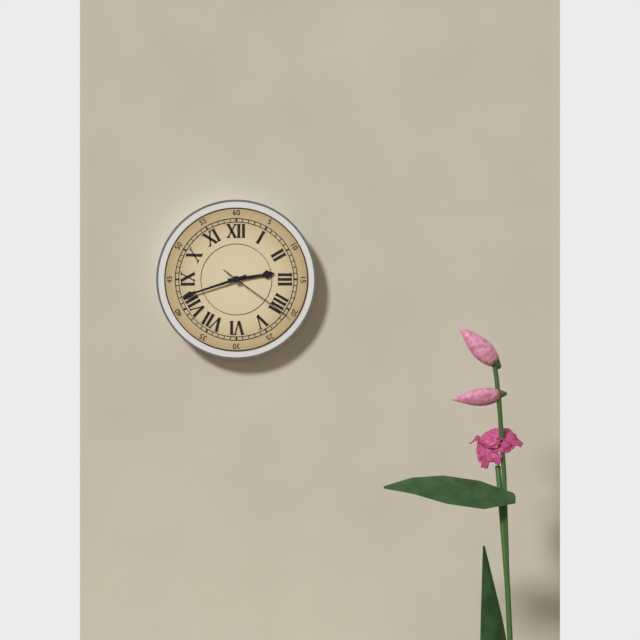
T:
2.42.21
